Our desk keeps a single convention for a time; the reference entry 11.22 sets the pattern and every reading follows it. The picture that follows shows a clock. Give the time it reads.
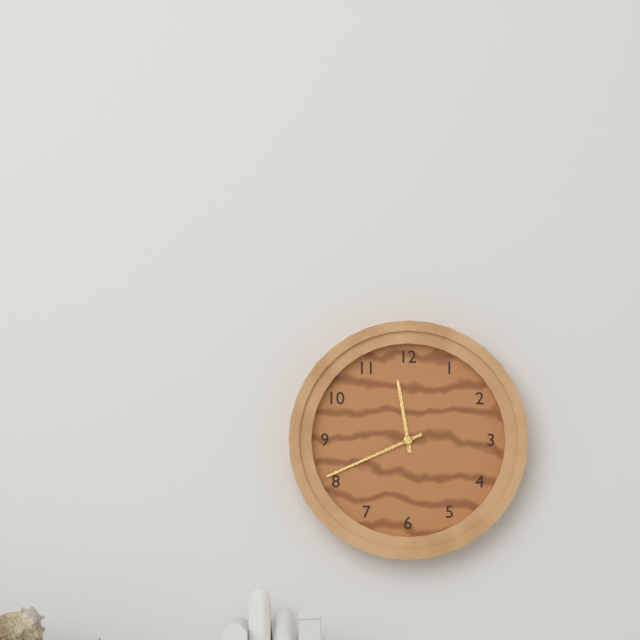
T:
11.41
